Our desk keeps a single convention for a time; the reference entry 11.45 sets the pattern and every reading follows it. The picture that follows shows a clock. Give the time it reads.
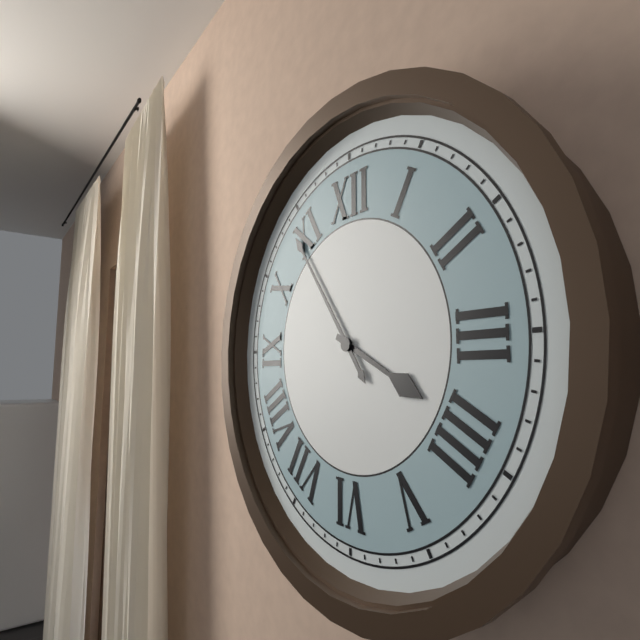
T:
3.54
